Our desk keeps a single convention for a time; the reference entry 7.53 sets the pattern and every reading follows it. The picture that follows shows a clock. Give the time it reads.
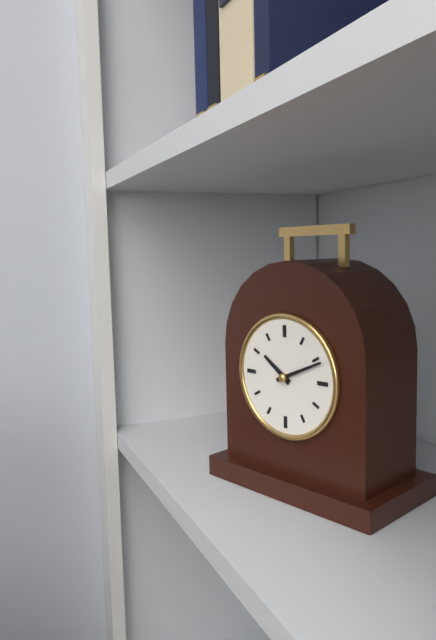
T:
10.11
